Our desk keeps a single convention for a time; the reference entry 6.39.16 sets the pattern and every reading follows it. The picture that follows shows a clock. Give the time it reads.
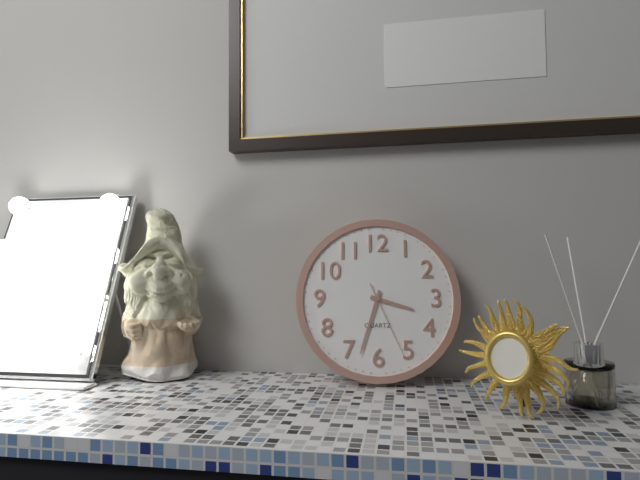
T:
3.33.26
